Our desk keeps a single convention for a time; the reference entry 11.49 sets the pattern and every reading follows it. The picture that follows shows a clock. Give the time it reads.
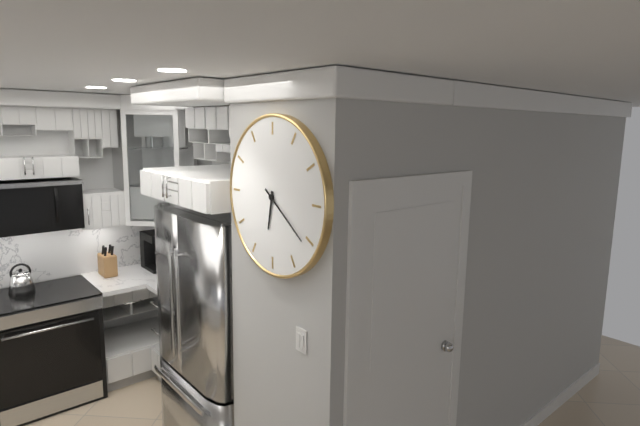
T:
6.21
